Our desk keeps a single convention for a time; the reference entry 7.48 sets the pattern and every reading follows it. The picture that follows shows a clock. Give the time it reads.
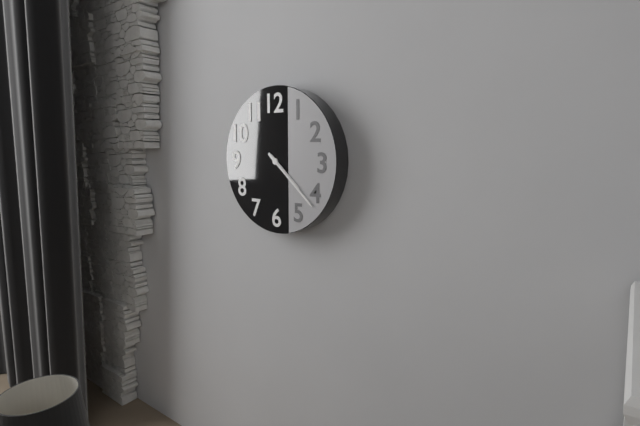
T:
4.22
